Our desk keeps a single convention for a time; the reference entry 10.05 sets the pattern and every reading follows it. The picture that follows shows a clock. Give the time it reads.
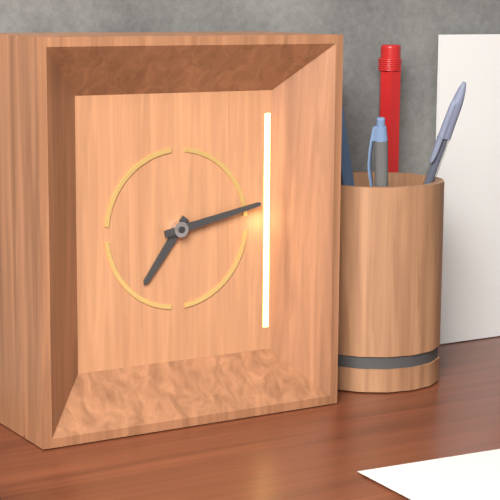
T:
7.13
